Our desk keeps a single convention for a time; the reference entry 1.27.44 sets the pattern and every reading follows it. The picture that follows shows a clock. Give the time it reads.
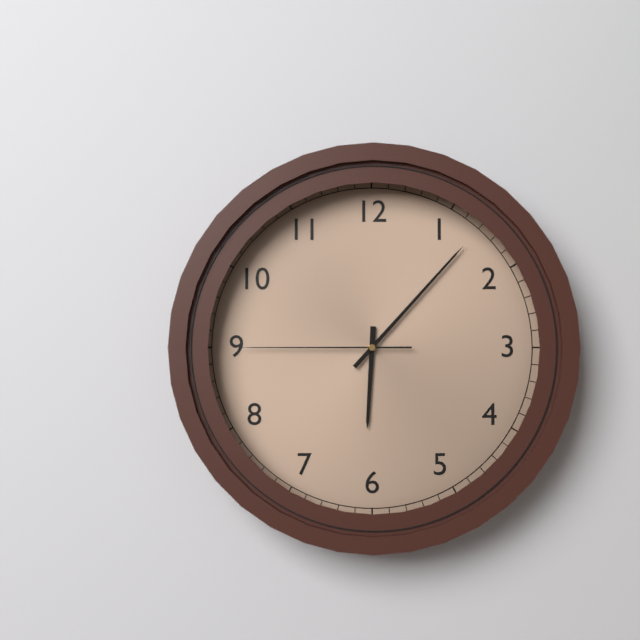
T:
6.07.45
